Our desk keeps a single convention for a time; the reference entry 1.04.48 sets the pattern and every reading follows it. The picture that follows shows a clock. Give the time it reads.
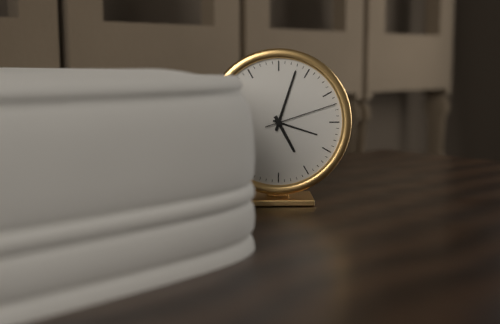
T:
5.03.12
